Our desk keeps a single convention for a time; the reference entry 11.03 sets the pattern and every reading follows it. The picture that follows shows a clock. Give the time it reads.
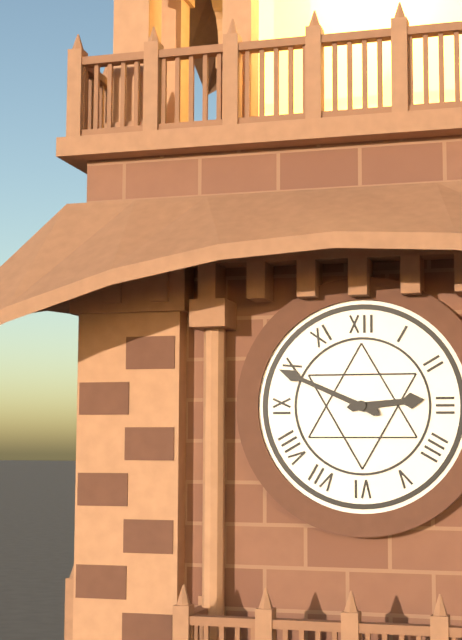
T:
2.49
